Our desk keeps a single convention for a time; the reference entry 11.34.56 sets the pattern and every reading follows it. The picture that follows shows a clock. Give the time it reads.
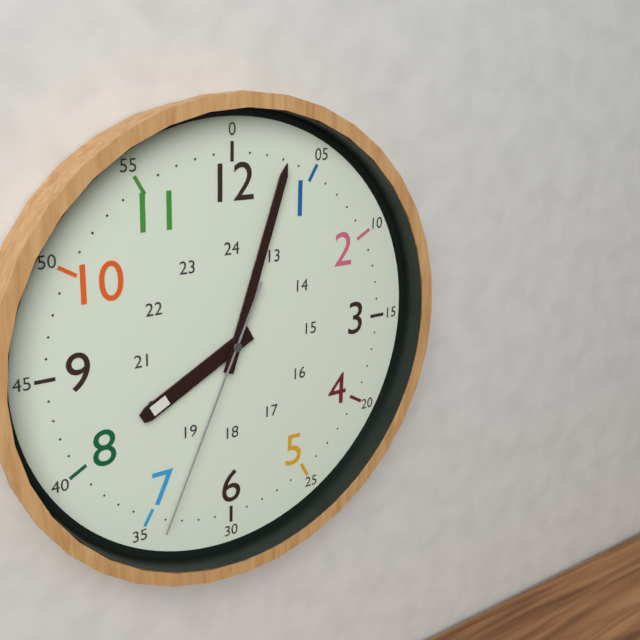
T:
8.03.34
